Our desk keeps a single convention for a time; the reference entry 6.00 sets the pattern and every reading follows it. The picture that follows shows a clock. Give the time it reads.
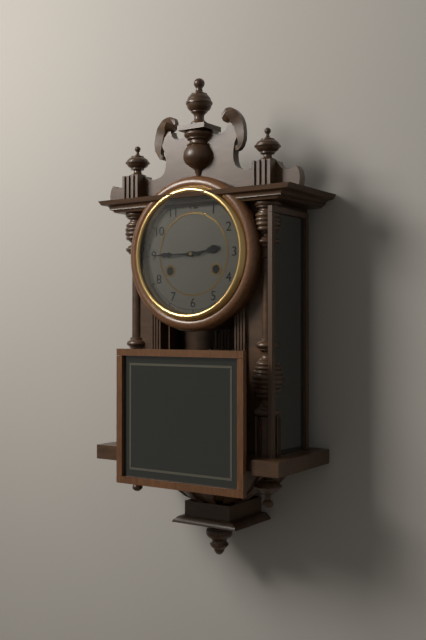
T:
2.45
